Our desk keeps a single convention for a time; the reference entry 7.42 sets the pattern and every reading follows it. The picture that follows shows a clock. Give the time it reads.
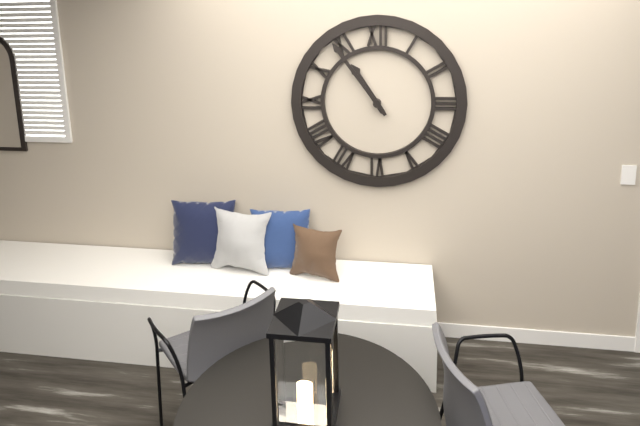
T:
10.54
